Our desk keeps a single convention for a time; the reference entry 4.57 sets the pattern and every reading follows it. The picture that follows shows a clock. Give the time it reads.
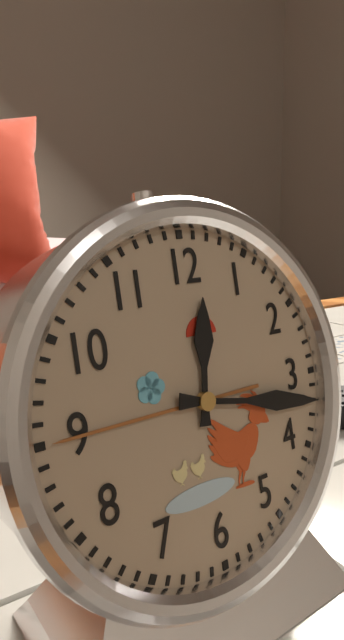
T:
12.17
